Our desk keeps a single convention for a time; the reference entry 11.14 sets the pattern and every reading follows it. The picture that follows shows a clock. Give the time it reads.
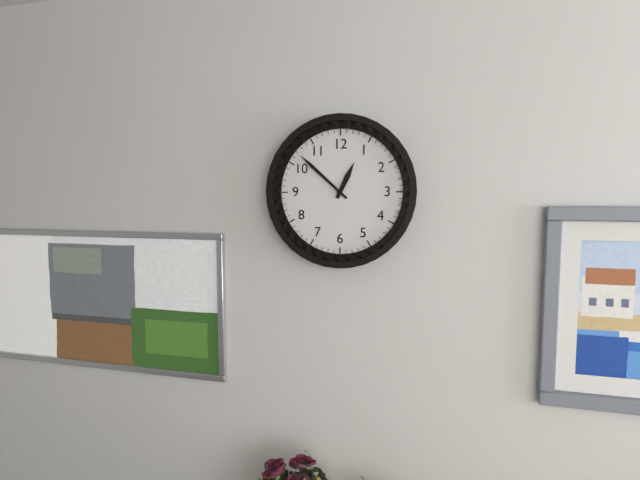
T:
12.52
